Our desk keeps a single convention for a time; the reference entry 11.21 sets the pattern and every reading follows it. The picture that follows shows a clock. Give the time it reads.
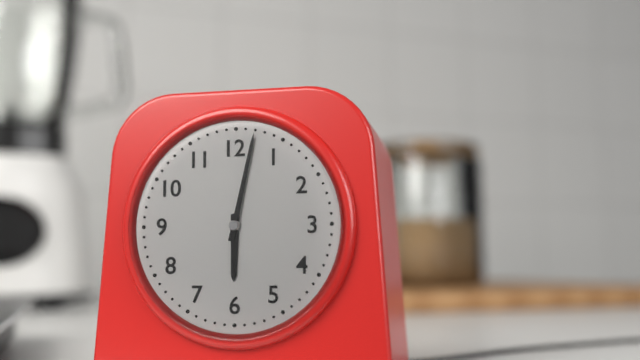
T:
6.02
